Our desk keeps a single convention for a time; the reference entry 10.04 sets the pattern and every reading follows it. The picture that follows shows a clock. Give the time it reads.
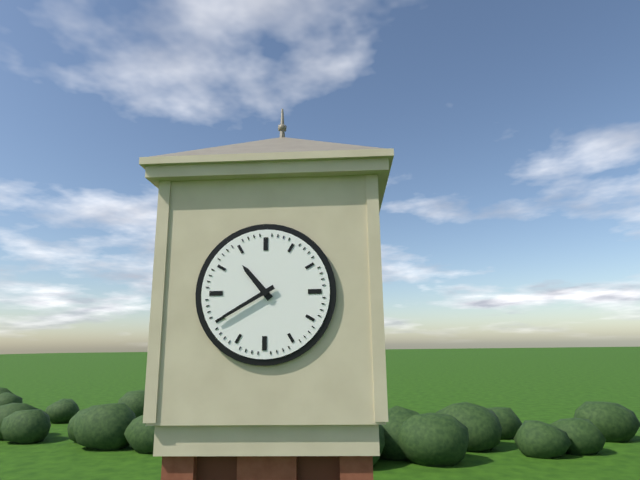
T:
10.40
